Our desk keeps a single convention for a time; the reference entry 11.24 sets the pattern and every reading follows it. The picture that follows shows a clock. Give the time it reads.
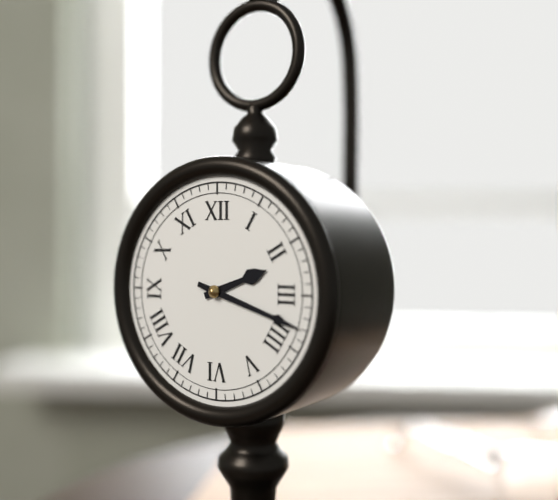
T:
2.18
